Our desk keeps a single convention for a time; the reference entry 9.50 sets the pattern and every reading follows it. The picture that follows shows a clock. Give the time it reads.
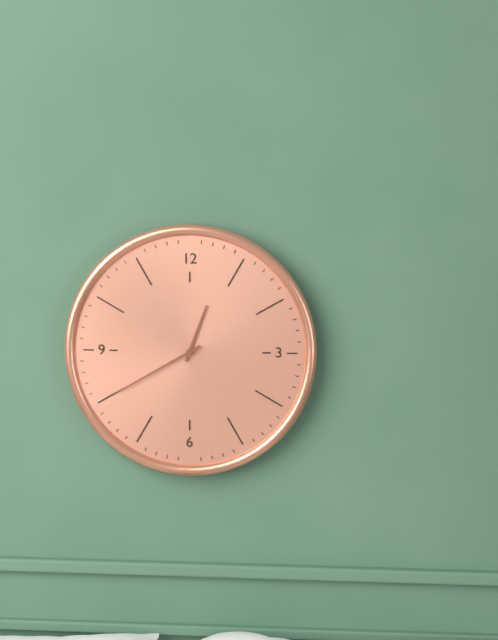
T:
12.40
